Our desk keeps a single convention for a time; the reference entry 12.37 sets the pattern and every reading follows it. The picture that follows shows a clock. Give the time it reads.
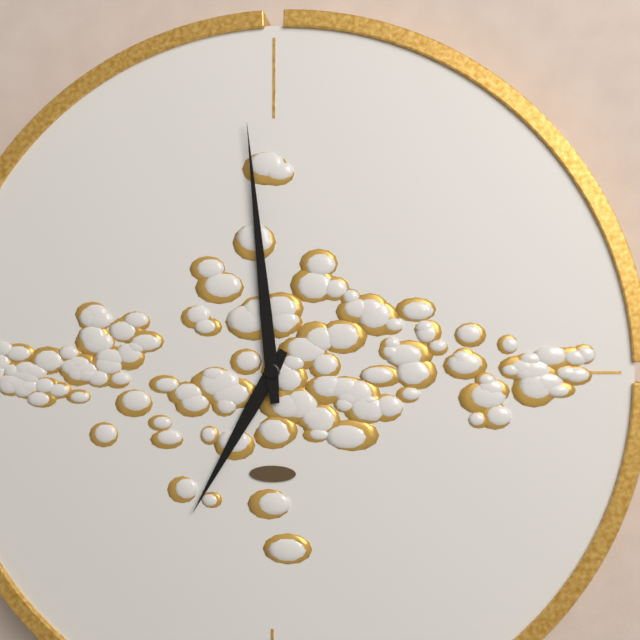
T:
6.59
